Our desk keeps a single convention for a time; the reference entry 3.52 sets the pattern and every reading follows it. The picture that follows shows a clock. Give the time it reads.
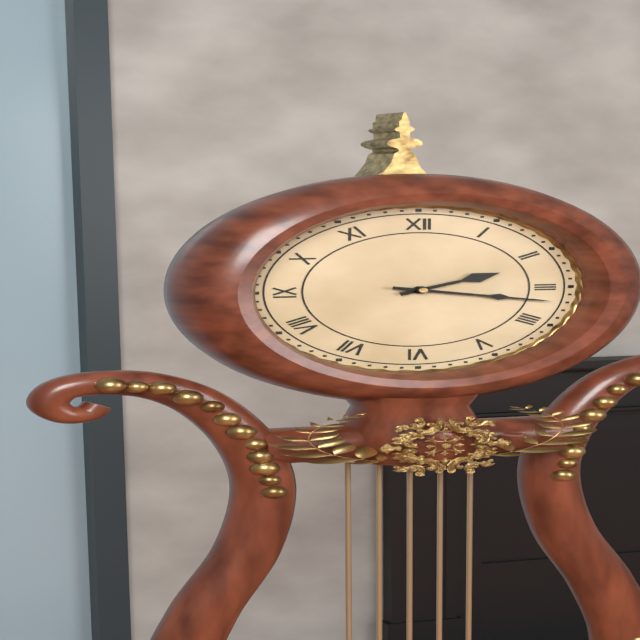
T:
2.17
